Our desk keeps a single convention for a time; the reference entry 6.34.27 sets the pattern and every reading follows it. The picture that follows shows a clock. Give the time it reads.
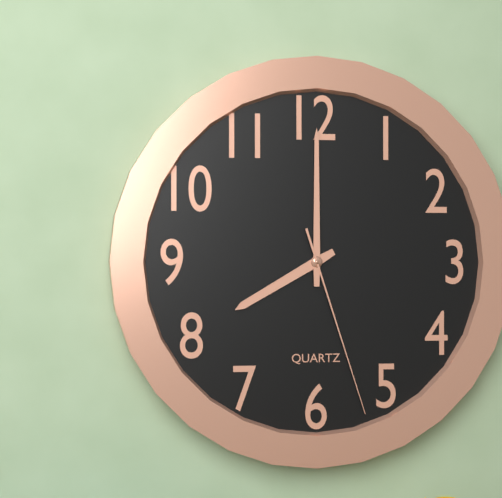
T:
8.00.27
